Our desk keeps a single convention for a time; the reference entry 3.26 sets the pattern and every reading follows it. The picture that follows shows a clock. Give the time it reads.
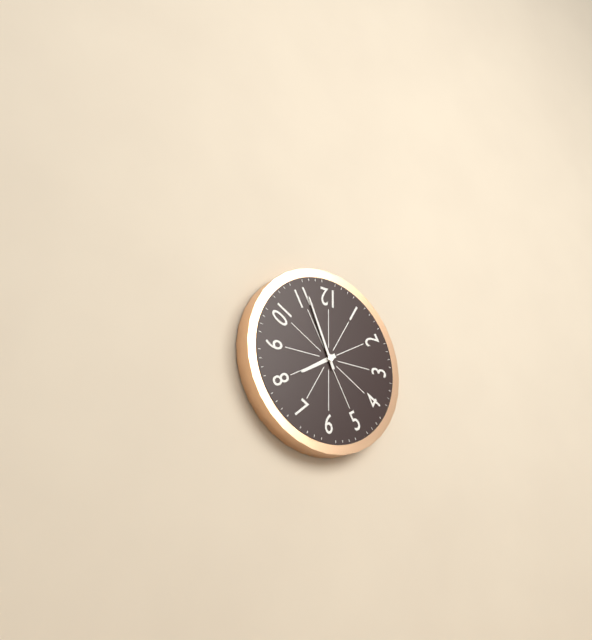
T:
7.56
